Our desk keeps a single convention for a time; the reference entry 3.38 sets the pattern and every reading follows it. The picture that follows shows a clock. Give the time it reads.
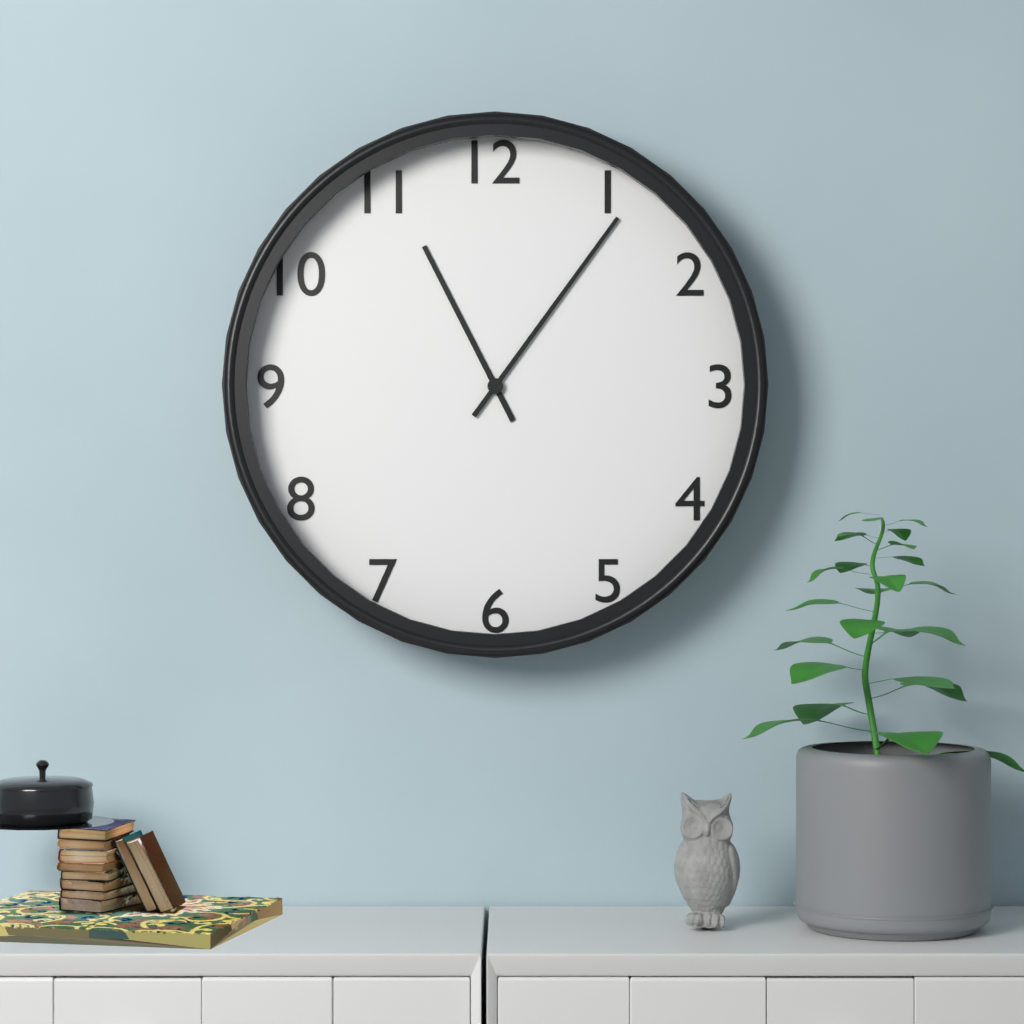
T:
11.06
